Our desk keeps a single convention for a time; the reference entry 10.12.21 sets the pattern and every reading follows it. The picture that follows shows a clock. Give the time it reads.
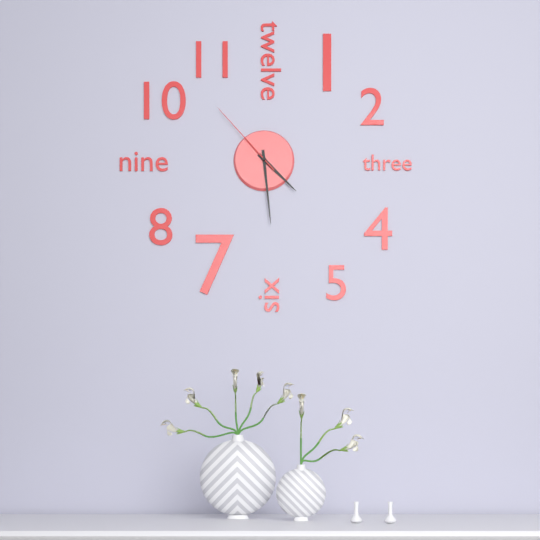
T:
4.29.53
